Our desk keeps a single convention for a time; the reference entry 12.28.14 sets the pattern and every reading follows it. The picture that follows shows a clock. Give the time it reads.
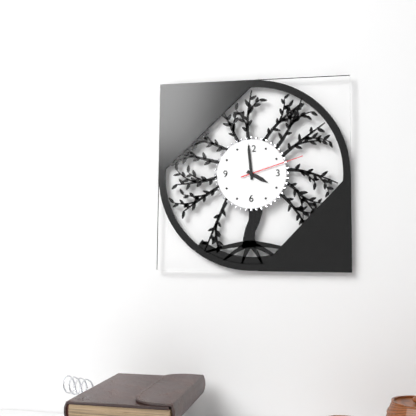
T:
3.59.12
